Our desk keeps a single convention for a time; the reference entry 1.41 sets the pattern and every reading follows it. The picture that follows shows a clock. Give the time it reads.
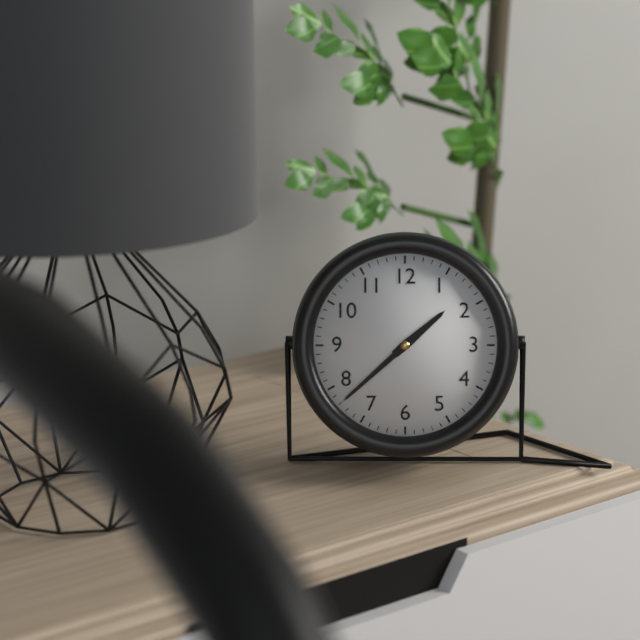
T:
1.38
